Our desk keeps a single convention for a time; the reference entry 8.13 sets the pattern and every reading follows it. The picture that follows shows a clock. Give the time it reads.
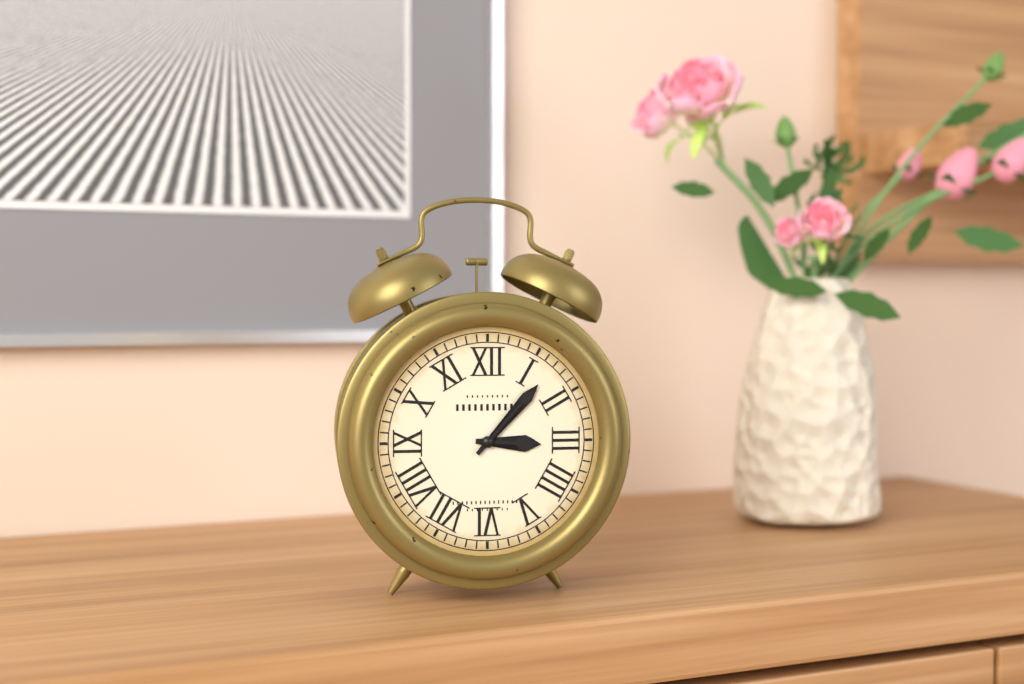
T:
3.07
